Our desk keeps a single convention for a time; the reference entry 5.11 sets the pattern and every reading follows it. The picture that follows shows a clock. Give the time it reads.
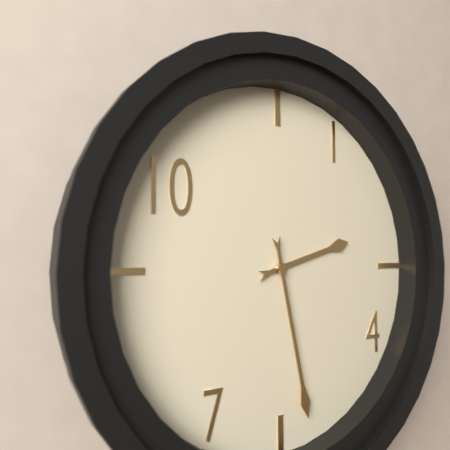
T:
2.28
